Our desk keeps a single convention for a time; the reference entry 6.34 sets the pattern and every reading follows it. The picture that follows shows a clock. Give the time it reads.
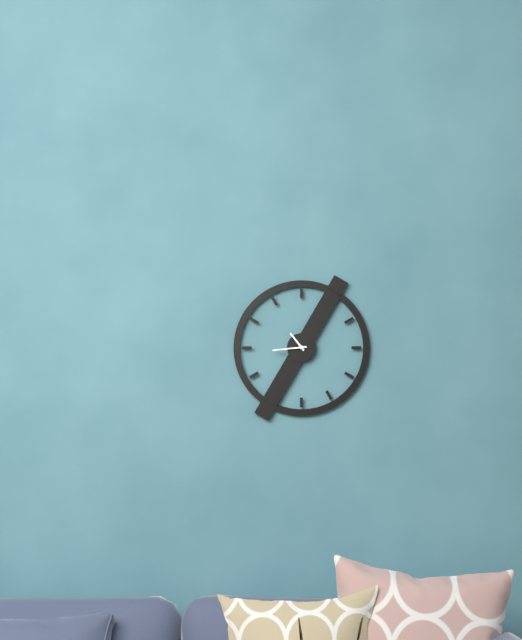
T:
10.44
